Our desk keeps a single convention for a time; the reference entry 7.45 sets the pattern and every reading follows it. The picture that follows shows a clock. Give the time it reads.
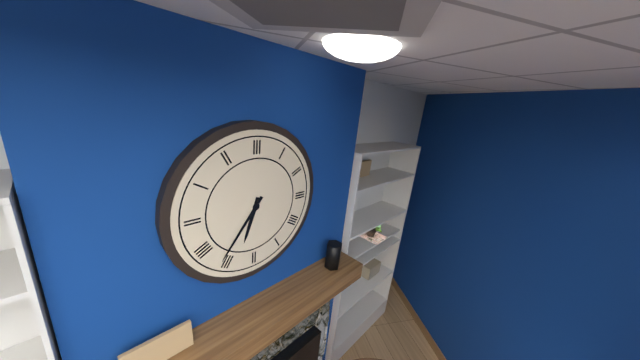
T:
6.36
